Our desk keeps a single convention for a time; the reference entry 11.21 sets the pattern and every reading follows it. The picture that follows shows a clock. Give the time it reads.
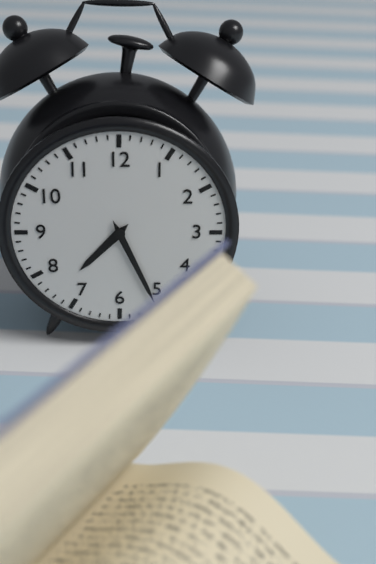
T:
7.26
